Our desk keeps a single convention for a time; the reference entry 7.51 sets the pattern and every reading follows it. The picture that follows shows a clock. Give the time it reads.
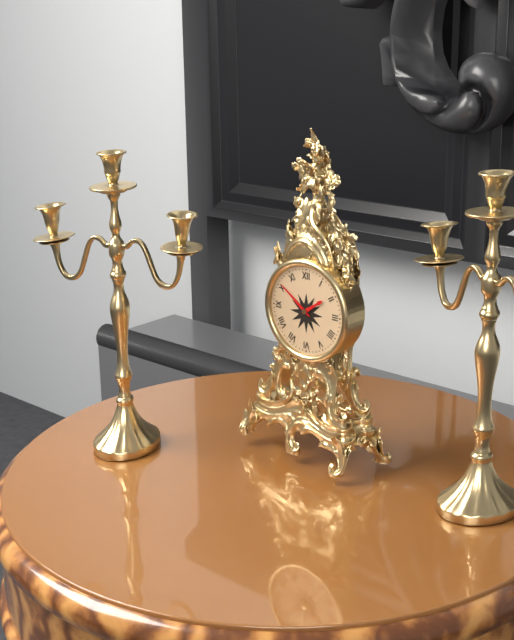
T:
1.51
